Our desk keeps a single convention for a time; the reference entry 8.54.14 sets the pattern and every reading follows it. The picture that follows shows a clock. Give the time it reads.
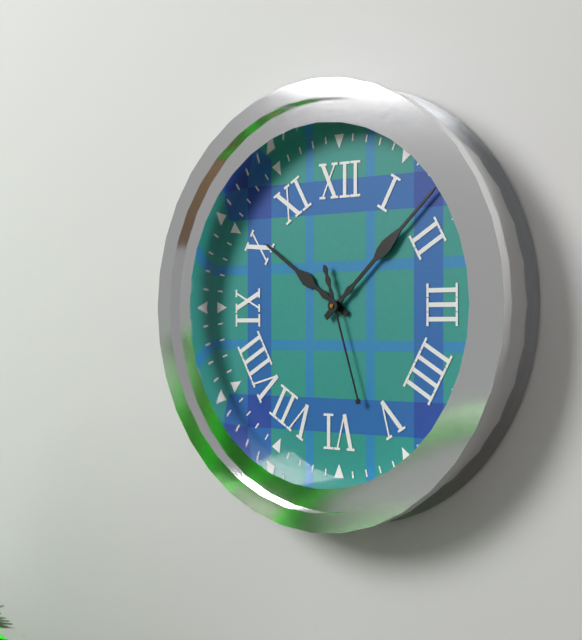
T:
10.08.27
